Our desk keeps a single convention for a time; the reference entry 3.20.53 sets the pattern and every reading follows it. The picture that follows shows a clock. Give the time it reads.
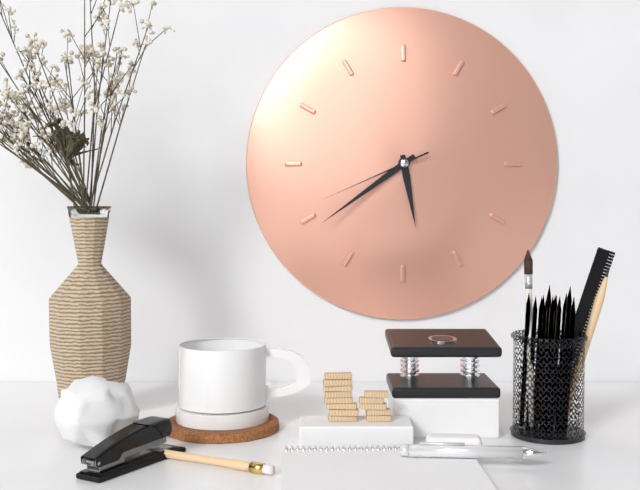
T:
5.39.41
